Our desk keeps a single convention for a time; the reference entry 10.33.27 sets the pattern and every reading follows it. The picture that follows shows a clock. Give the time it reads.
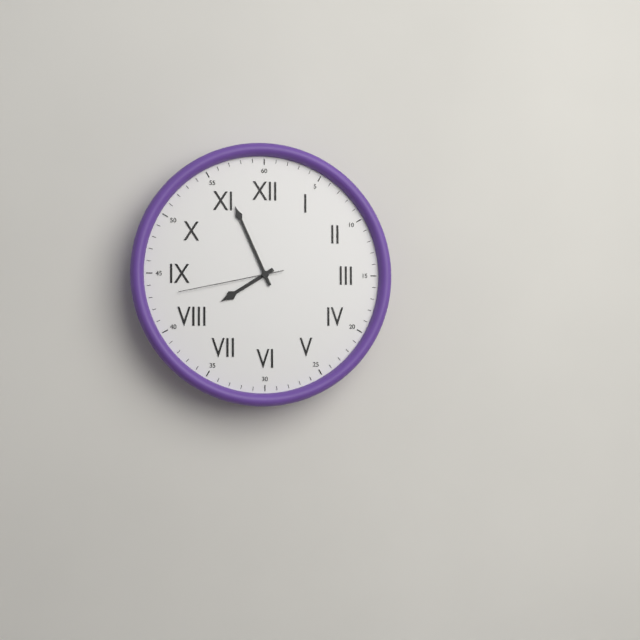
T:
7.56.43
